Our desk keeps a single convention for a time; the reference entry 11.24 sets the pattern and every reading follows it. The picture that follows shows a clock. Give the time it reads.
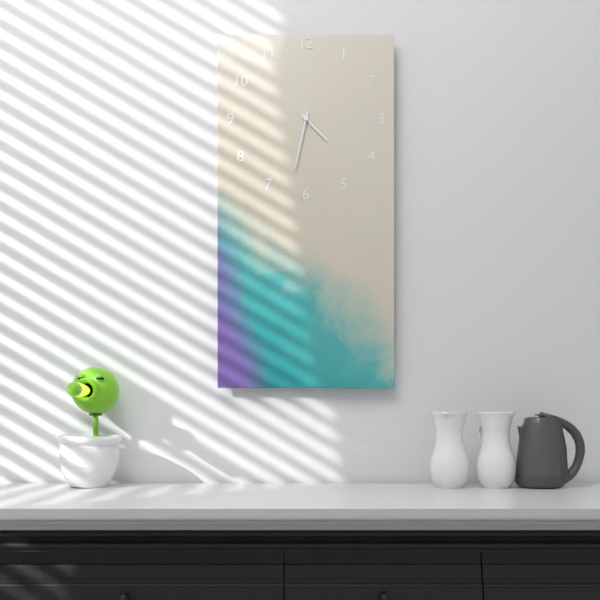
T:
4.32
